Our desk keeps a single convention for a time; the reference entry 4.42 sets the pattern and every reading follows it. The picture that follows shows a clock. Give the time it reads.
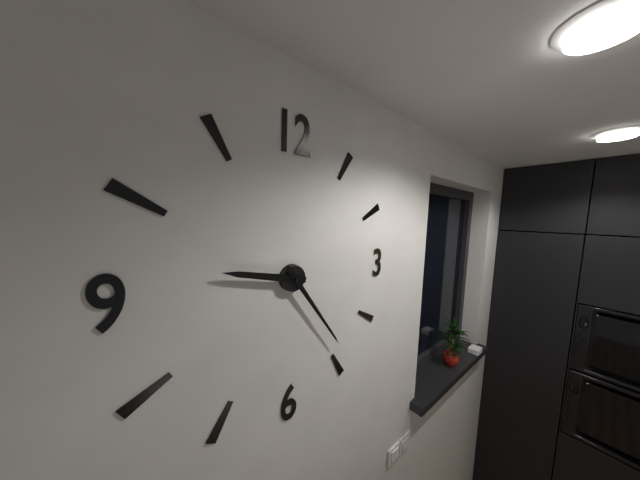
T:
9.24
